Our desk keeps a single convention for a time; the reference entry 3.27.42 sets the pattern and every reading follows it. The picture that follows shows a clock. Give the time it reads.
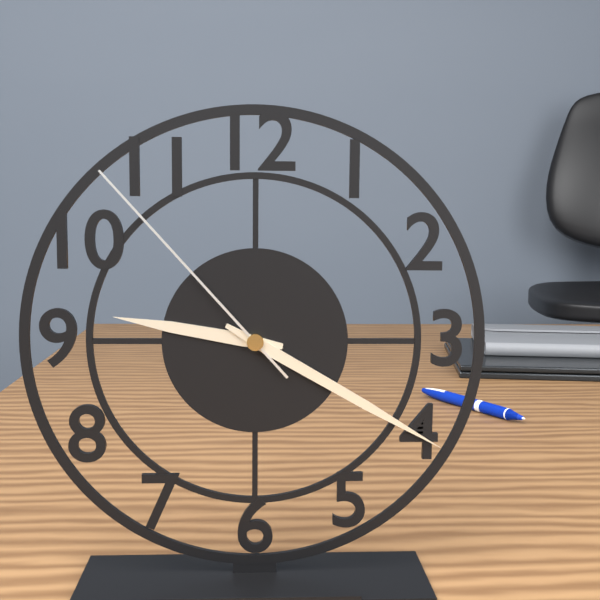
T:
9.20.53
